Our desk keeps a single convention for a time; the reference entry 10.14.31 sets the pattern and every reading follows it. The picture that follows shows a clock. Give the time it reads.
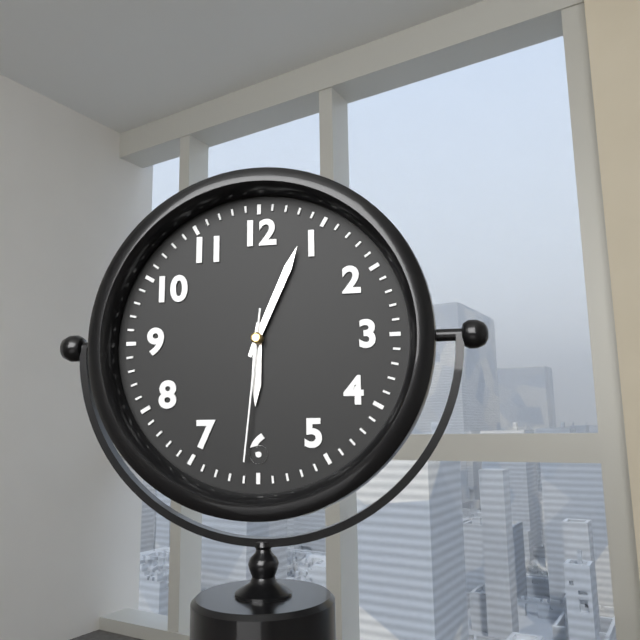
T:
6.04.31
